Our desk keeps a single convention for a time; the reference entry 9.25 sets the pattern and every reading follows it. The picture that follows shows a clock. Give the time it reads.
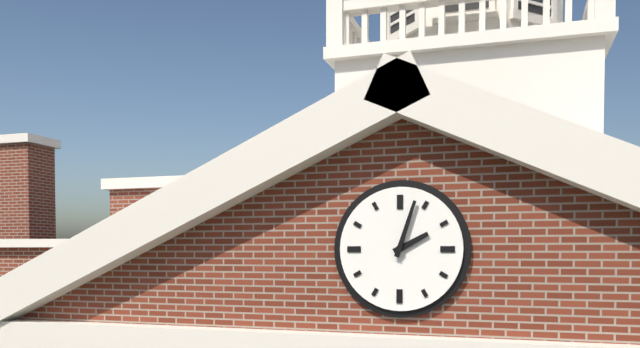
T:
2.03
